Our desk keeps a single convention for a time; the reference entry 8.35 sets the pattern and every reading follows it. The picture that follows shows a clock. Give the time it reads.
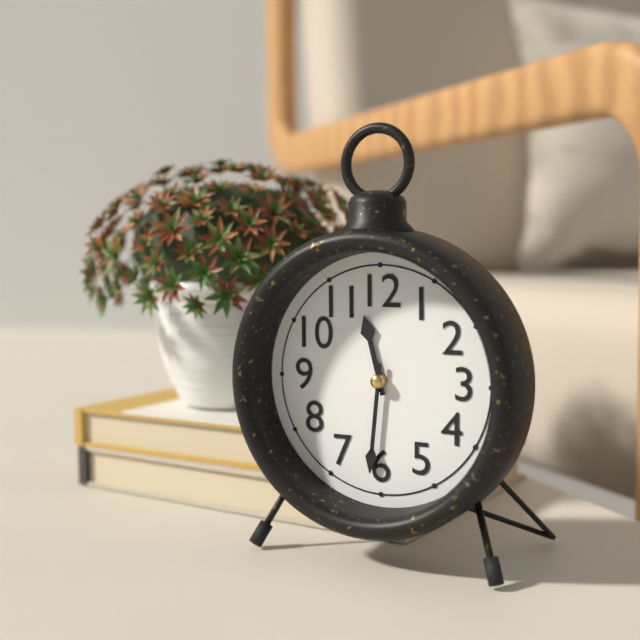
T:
11.31
